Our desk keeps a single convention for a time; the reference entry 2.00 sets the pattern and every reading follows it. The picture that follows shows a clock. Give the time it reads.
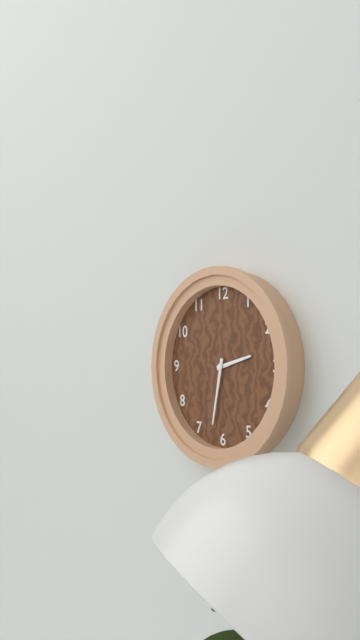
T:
2.32
